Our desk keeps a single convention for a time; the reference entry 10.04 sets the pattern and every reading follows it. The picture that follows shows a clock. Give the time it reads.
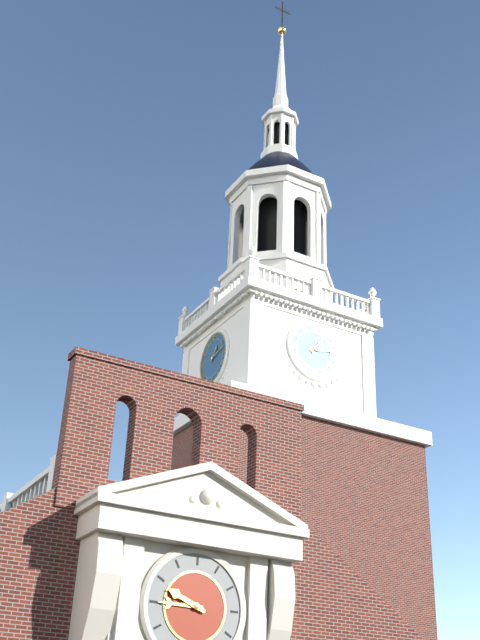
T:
1.13
